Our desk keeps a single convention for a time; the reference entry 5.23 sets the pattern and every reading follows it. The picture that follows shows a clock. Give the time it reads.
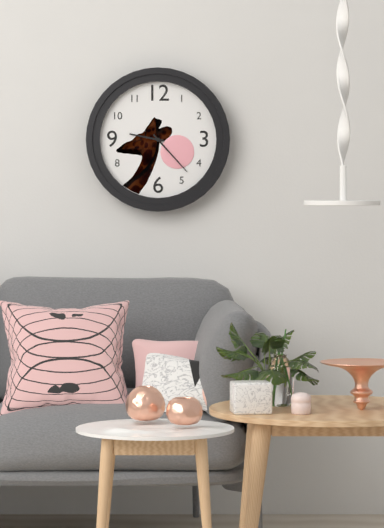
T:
9.23
